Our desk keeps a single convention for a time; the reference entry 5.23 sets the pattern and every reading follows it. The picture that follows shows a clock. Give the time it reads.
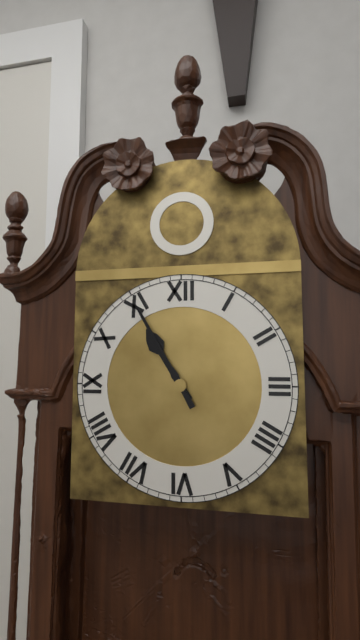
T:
10.55
